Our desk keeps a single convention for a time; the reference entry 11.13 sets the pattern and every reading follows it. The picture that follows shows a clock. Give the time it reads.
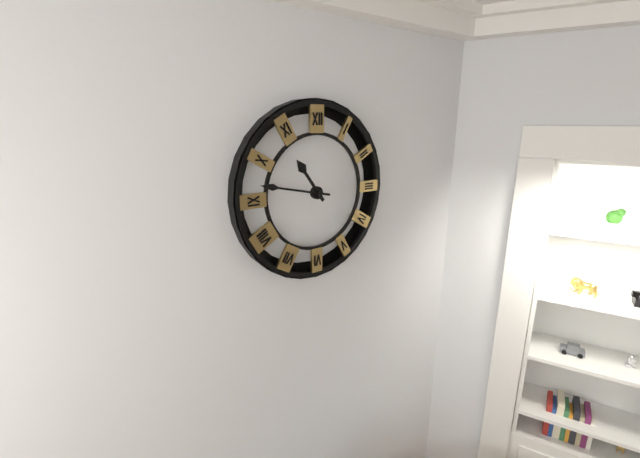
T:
10.47
